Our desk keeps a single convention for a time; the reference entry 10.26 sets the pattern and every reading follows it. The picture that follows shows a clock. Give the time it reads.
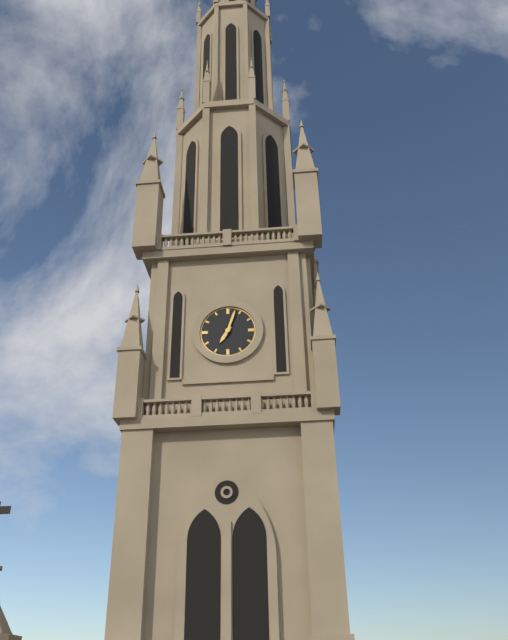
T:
7.03
